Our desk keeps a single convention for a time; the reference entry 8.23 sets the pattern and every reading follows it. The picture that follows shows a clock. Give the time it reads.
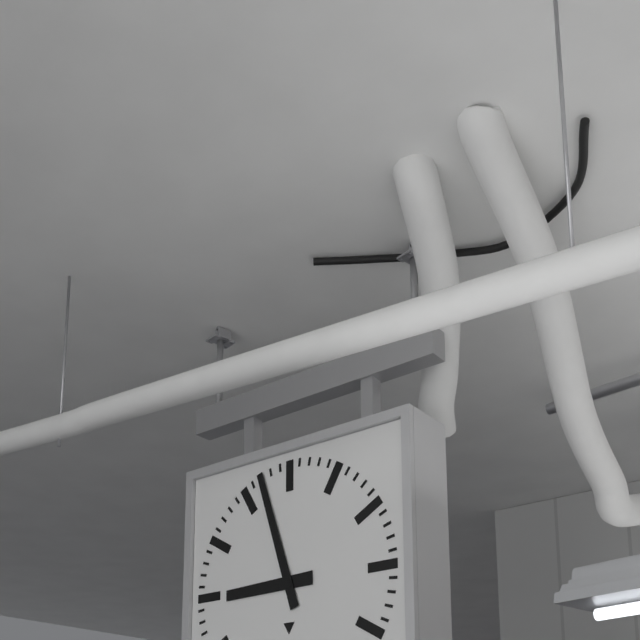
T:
8.57
